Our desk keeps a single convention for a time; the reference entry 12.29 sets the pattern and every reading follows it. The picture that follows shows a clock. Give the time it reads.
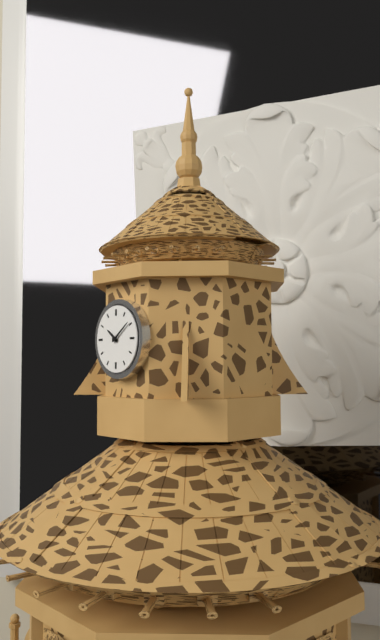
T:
10.09
